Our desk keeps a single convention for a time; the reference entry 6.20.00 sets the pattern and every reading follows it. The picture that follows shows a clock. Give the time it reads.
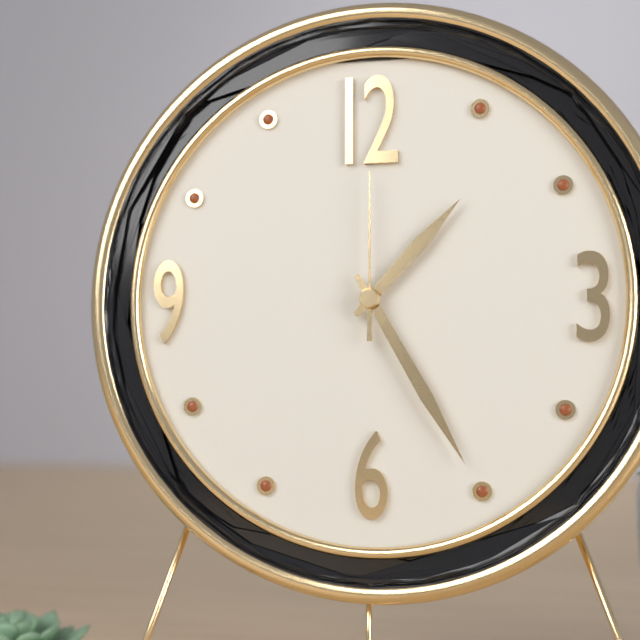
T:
1.25.00
